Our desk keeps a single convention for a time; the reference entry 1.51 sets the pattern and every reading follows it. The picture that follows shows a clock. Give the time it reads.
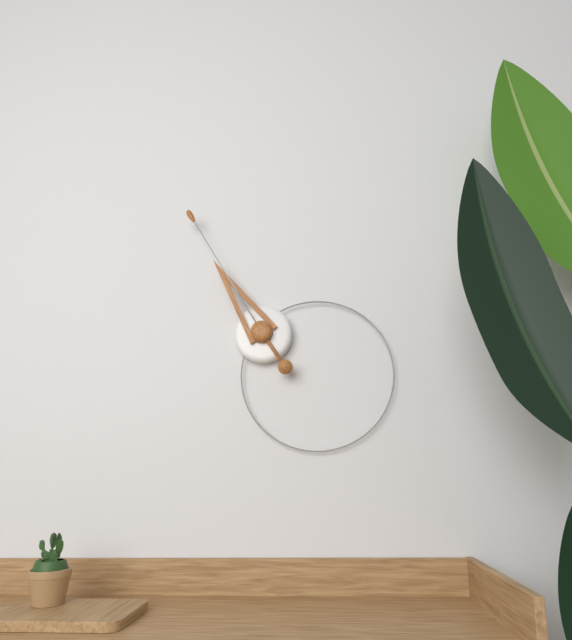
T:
10.55
